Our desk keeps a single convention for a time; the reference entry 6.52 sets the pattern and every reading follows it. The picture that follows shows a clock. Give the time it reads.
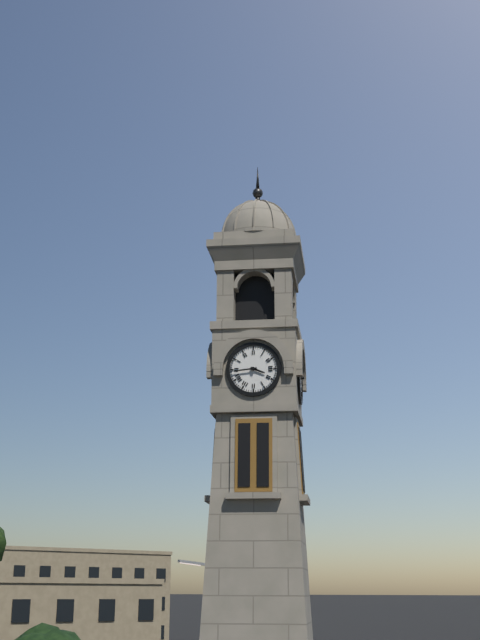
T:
3.44
